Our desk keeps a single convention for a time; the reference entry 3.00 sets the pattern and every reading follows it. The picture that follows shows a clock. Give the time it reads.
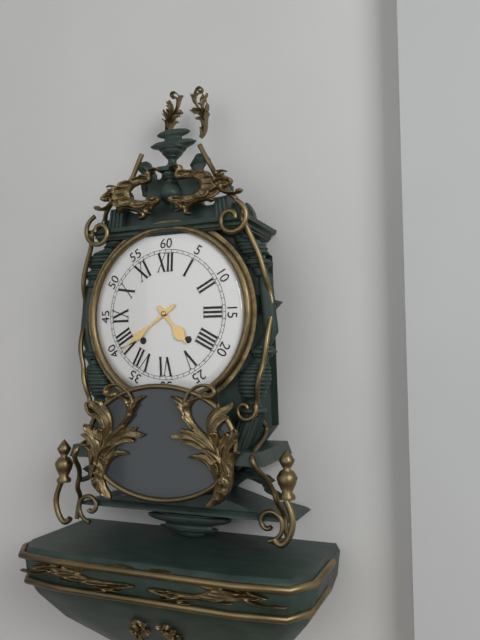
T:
4.39
